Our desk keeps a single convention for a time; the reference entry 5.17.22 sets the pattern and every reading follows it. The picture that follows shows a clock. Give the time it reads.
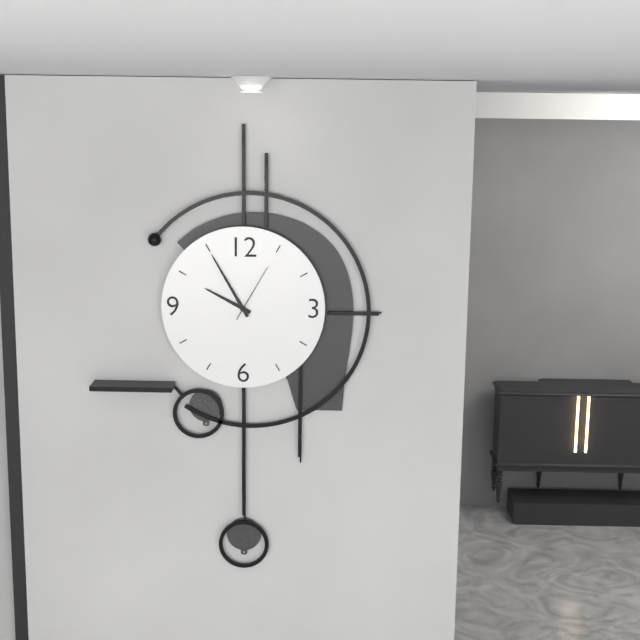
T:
9.55.05
